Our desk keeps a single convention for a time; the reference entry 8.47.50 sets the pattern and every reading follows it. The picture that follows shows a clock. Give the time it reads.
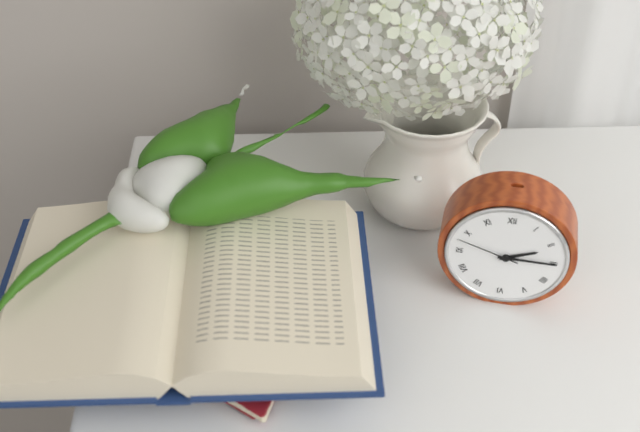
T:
2.15.48
